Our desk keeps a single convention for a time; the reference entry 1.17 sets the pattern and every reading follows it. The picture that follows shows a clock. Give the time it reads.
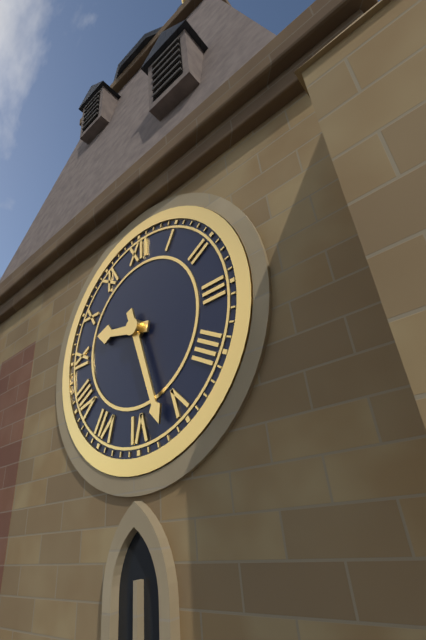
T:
9.27
